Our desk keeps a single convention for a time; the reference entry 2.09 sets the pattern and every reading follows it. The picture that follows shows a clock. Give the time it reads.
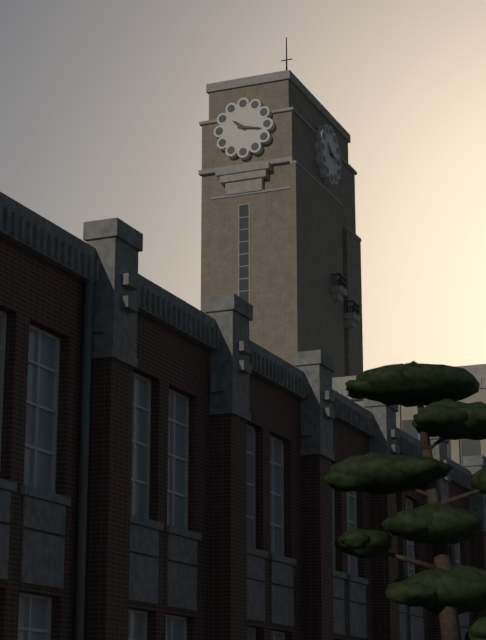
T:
10.17
